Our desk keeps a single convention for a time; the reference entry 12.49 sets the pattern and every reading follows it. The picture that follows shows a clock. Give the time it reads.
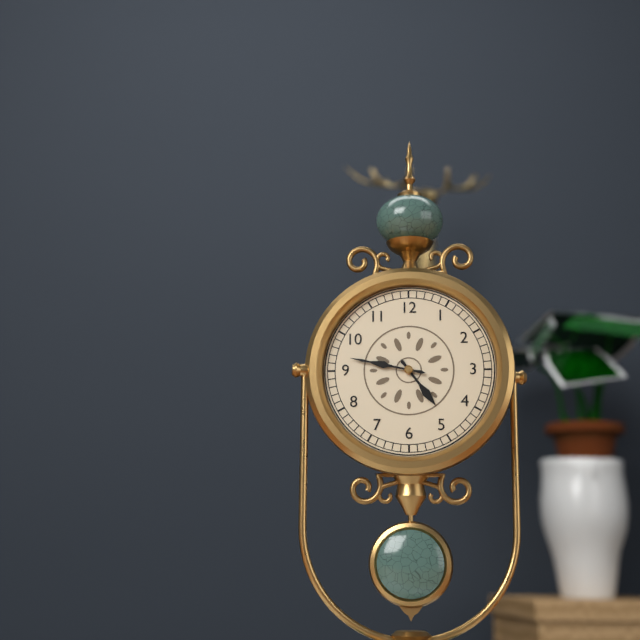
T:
4.47
